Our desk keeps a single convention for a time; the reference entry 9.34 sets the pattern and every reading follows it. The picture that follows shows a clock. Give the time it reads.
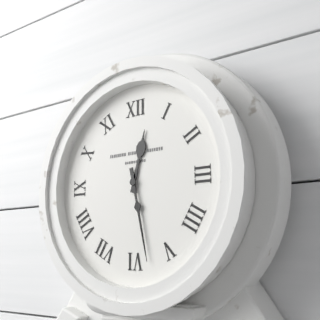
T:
12.28
